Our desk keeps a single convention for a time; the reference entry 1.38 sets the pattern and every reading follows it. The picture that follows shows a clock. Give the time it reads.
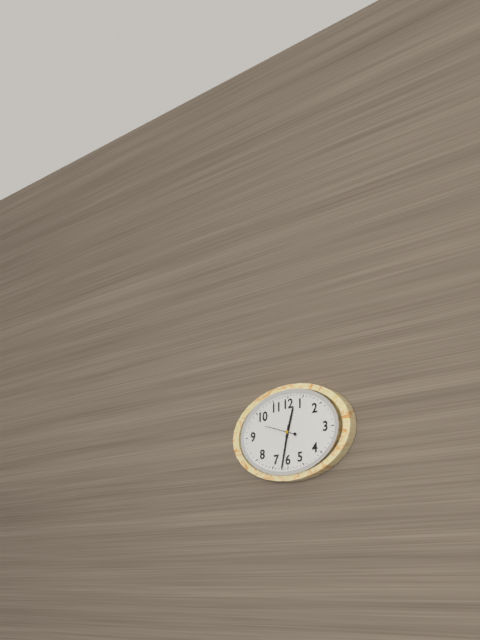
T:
12.32
